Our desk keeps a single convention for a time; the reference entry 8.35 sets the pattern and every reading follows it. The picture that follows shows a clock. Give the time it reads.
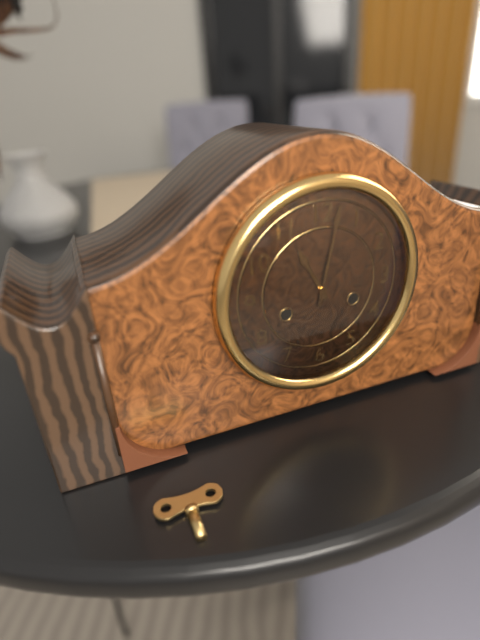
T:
11.02
